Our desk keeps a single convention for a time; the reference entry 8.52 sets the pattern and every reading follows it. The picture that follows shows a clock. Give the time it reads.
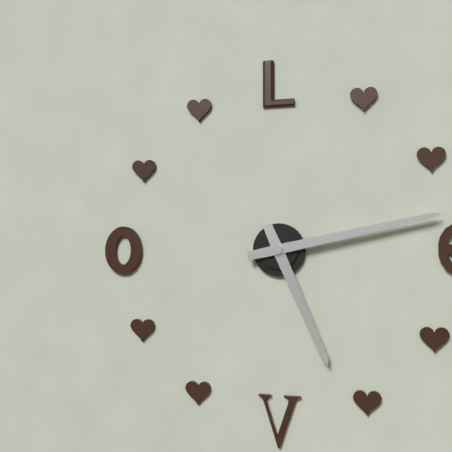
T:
5.13
